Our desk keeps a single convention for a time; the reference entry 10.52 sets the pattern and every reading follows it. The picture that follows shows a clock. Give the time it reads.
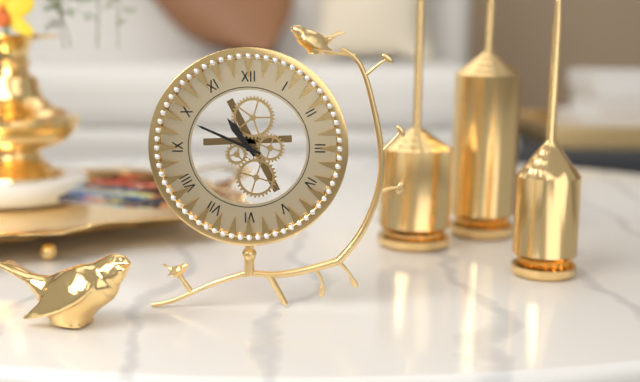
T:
10.49
